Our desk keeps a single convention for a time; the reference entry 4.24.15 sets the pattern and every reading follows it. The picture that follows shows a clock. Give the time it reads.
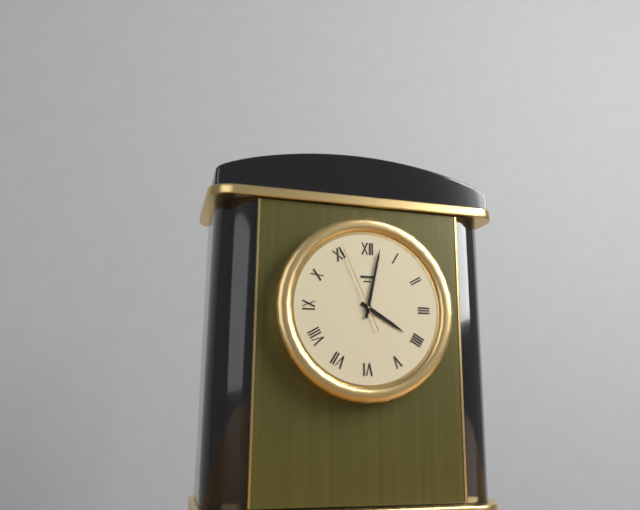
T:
4.02.56
